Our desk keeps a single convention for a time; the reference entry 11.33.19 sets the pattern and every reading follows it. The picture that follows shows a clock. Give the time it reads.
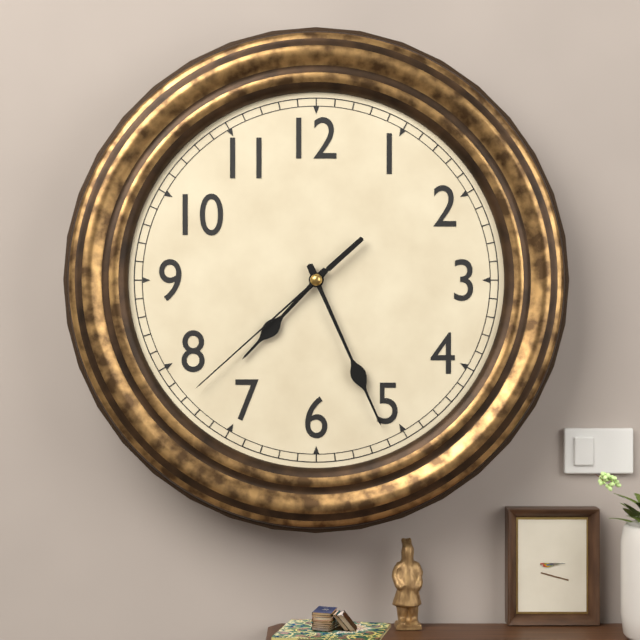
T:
7.26.38
